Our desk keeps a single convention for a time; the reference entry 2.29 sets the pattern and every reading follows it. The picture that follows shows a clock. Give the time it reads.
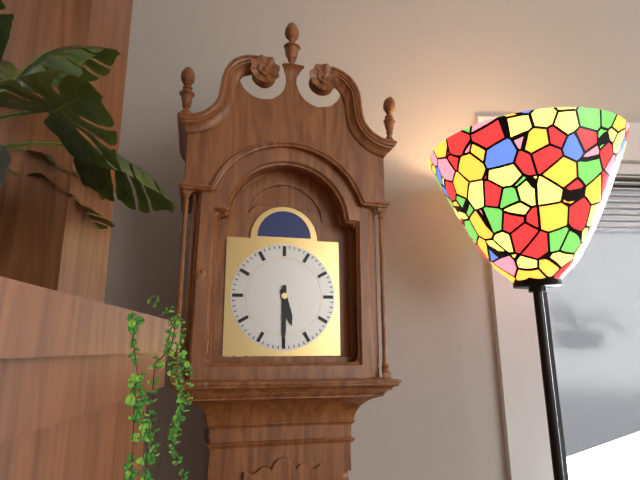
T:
5.30
